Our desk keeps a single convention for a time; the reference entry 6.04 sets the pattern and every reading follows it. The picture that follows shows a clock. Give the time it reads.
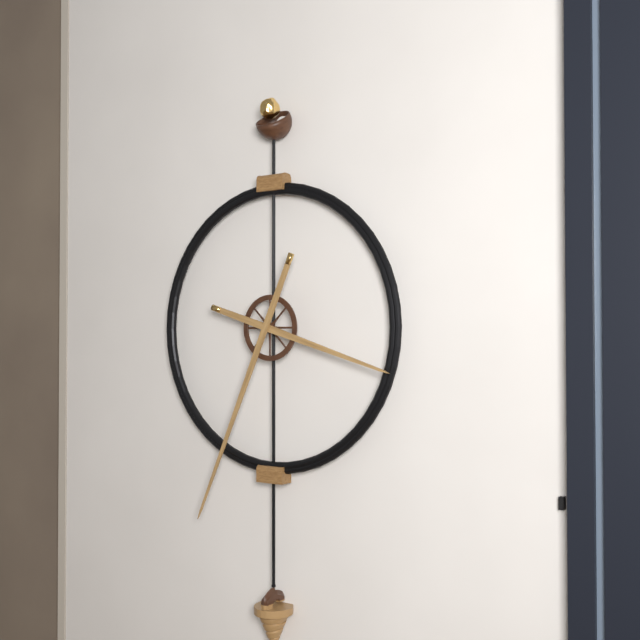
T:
3.34
